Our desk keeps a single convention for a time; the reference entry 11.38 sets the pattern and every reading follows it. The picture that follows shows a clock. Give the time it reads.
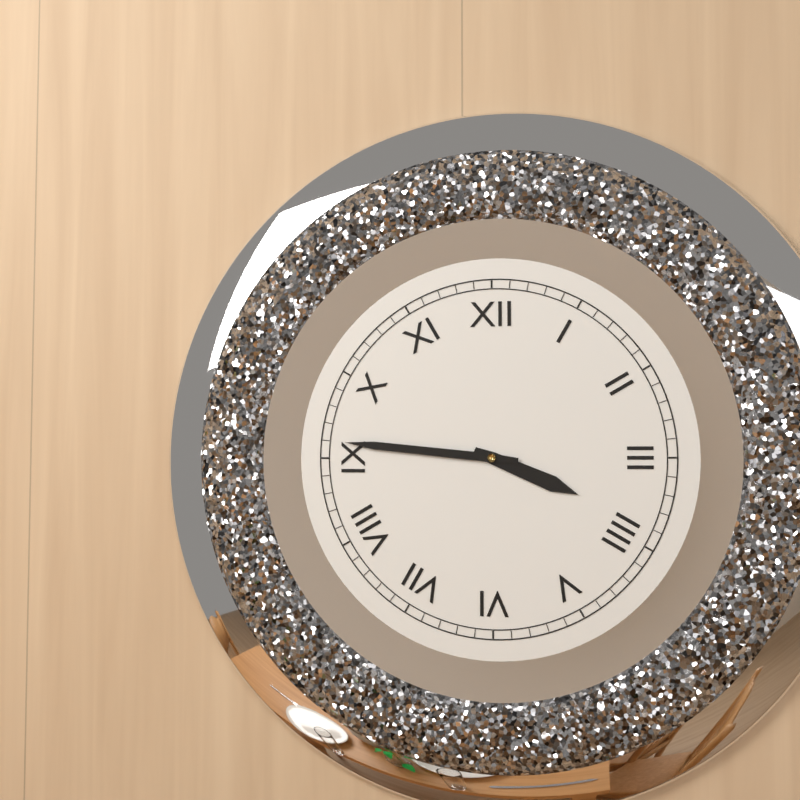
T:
3.46
